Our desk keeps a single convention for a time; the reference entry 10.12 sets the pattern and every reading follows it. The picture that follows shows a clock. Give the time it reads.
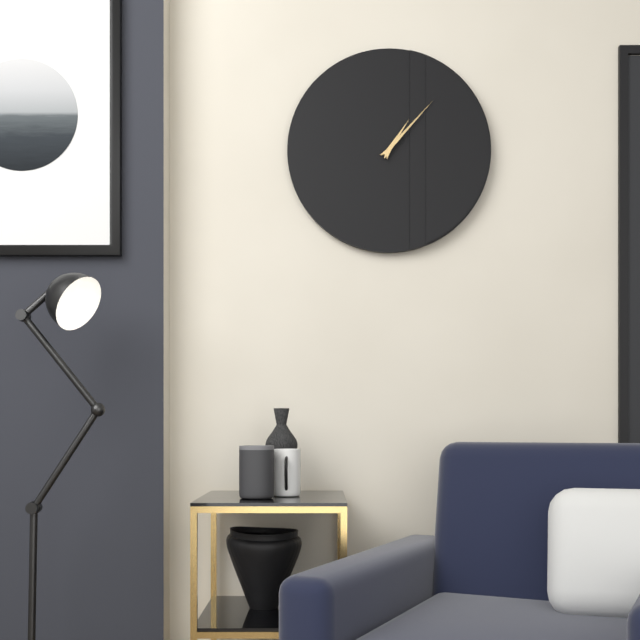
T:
1.07
